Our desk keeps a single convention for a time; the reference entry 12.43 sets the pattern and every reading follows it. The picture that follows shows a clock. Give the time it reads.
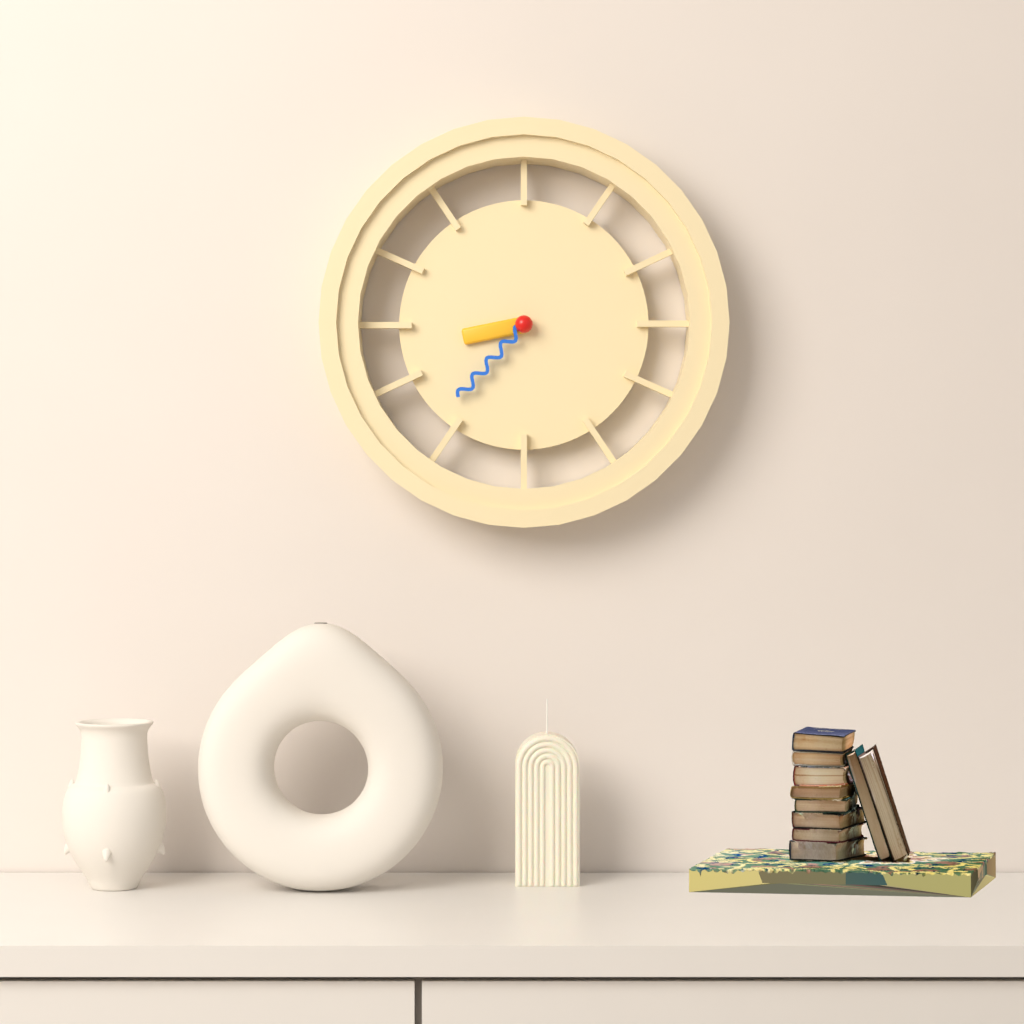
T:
8.37
